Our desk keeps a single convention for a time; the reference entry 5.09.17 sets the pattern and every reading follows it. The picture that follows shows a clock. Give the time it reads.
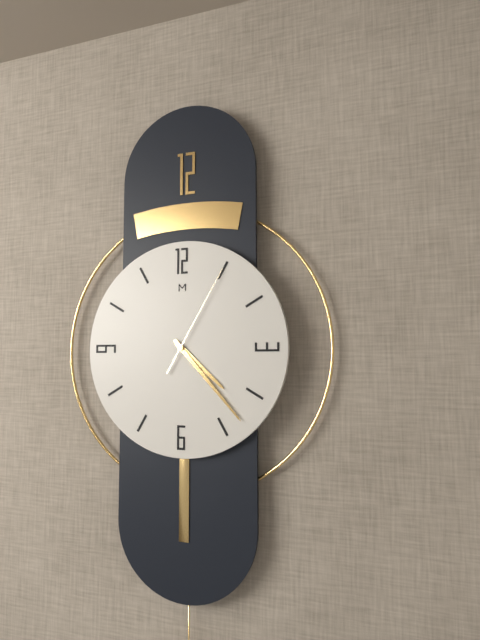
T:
4.23.05
